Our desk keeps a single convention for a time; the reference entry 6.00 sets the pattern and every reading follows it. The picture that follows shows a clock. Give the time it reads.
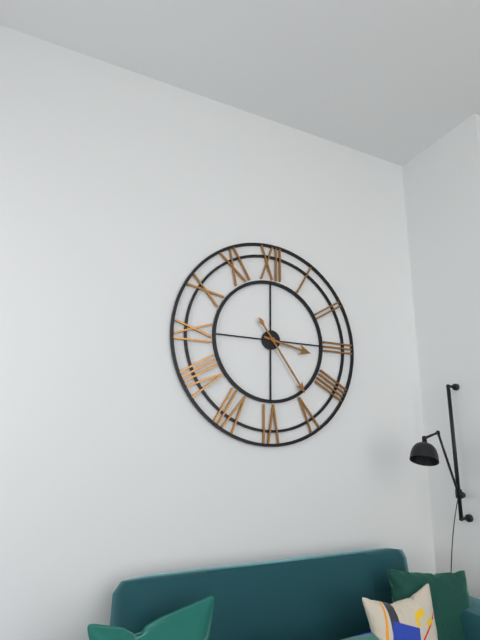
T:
3.24
